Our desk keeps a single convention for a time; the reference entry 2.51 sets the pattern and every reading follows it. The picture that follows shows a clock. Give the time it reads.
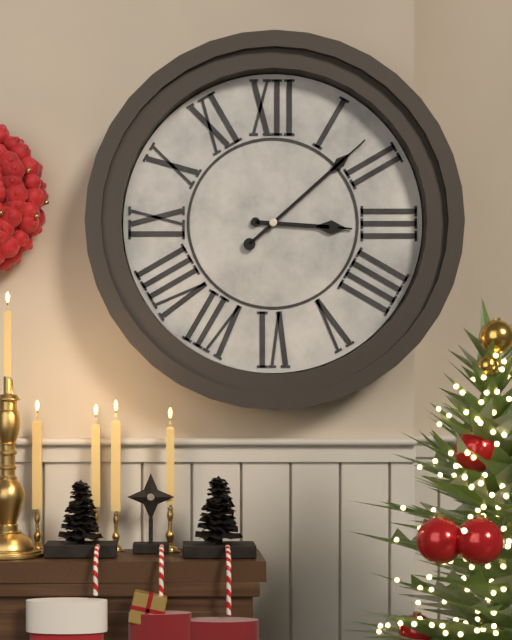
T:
3.08
